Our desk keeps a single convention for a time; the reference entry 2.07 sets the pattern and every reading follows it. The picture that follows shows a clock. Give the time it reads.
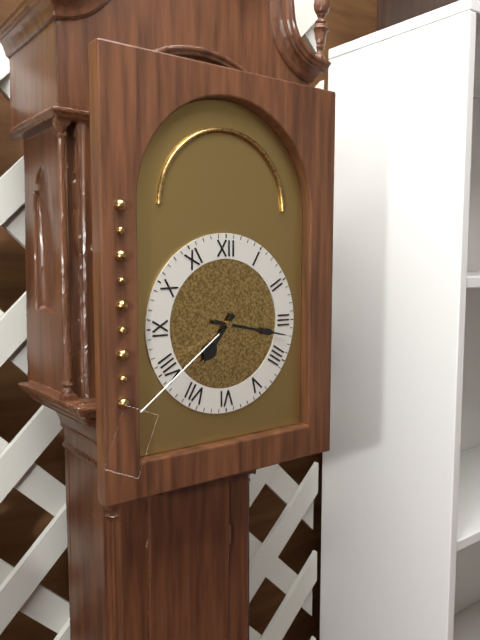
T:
7.17
